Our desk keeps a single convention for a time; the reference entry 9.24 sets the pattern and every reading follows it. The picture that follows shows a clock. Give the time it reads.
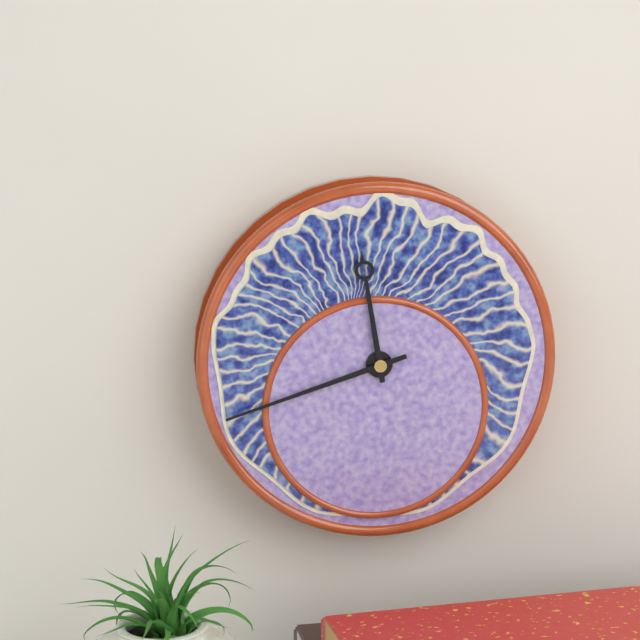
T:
11.42
